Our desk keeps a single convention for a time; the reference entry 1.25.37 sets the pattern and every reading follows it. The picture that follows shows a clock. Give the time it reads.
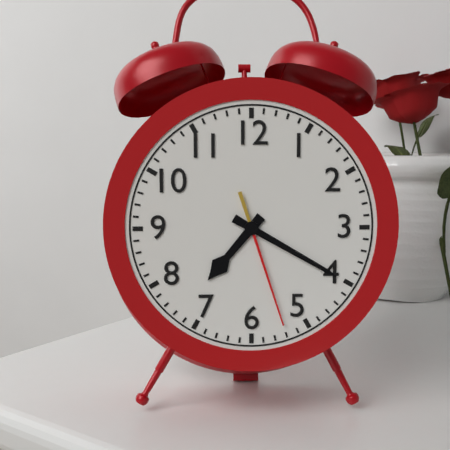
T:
7.20.27
